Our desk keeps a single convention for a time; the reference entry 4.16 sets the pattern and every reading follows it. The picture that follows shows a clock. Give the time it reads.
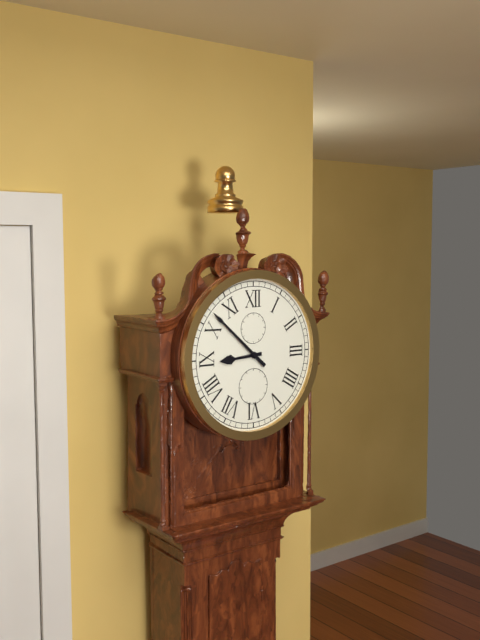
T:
8.52
